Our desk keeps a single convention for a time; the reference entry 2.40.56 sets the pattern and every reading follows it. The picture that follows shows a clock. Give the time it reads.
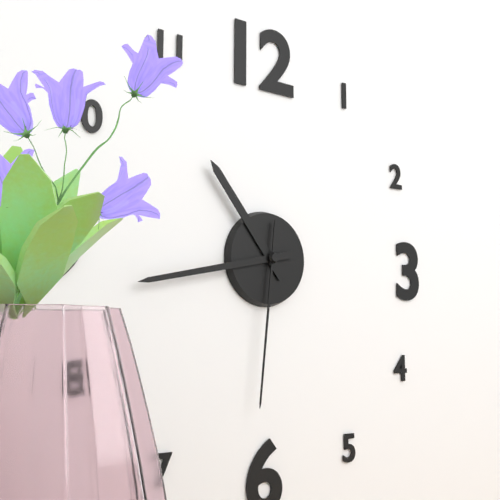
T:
10.43.31
